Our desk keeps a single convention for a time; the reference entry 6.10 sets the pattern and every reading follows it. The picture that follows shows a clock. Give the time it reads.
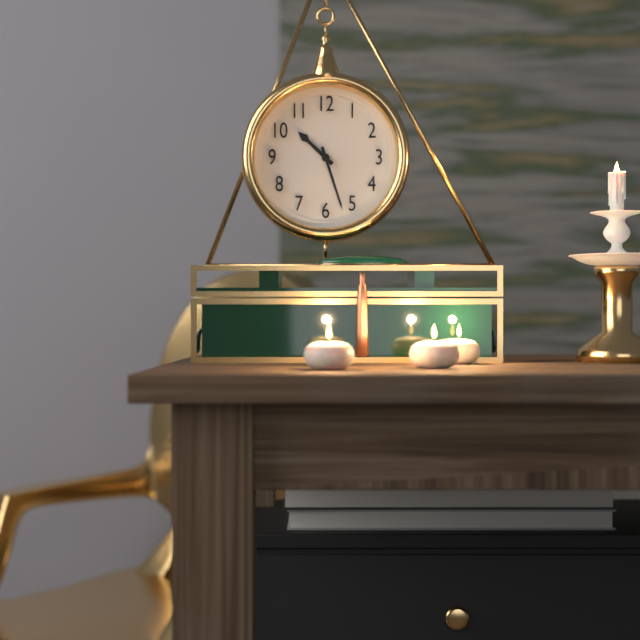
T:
10.27
